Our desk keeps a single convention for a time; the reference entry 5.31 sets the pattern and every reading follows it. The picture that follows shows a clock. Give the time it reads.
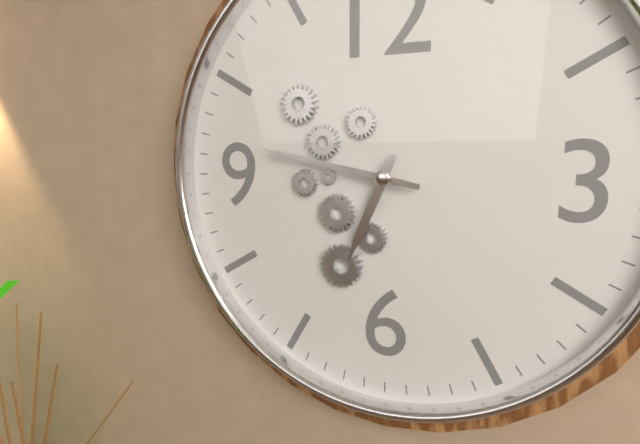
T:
6.47
